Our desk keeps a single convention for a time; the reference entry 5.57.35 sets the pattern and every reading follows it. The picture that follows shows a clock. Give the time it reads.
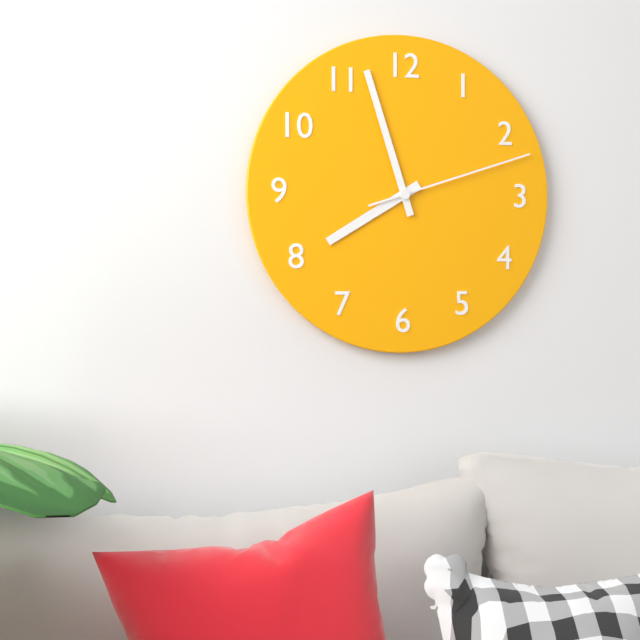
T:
7.57.12
